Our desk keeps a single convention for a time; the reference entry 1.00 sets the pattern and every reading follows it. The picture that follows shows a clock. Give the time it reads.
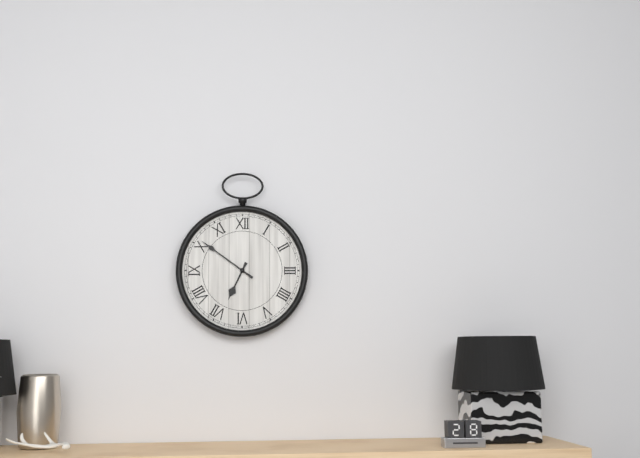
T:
6.51
